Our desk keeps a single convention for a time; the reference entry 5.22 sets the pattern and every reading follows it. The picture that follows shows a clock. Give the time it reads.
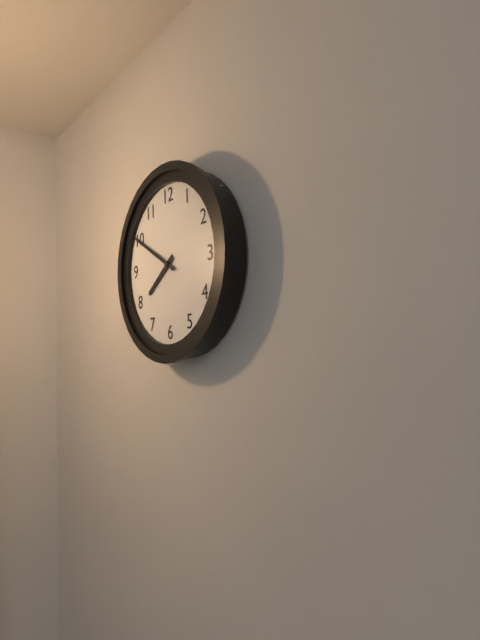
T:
7.50
